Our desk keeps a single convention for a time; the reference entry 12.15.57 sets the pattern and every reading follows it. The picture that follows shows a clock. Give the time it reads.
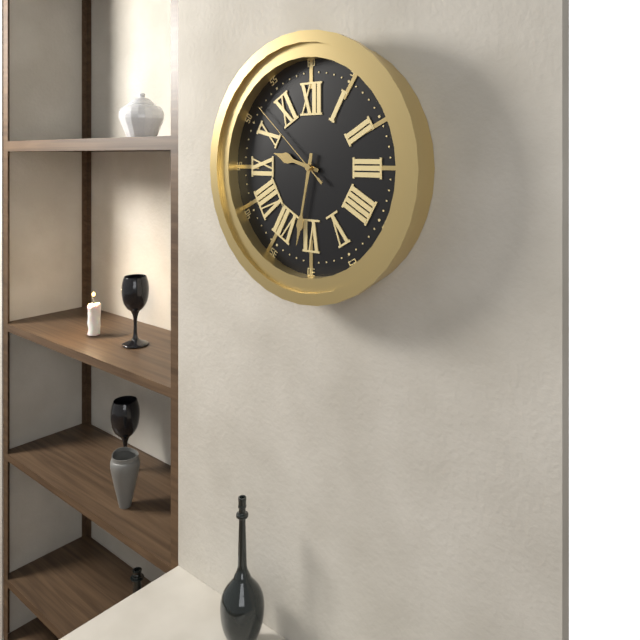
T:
9.32.52
